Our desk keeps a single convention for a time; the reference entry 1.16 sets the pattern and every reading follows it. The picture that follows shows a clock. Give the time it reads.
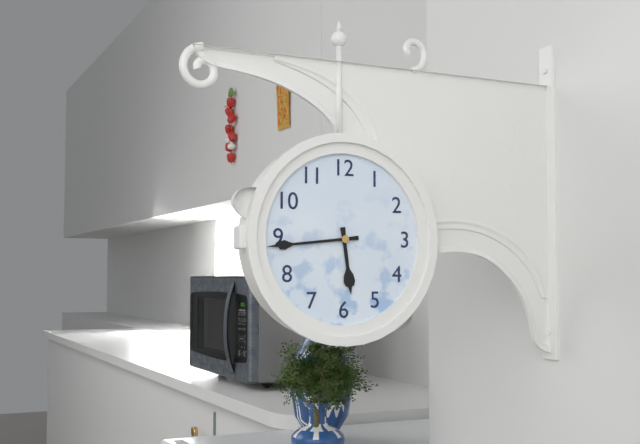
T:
5.44
